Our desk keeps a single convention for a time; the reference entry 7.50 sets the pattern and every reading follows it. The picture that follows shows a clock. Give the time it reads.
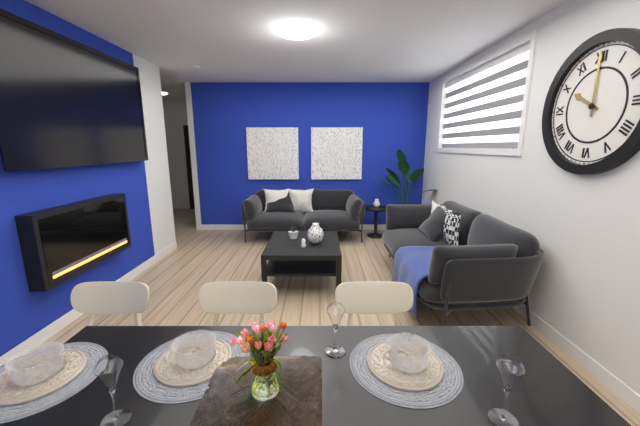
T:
10.00
